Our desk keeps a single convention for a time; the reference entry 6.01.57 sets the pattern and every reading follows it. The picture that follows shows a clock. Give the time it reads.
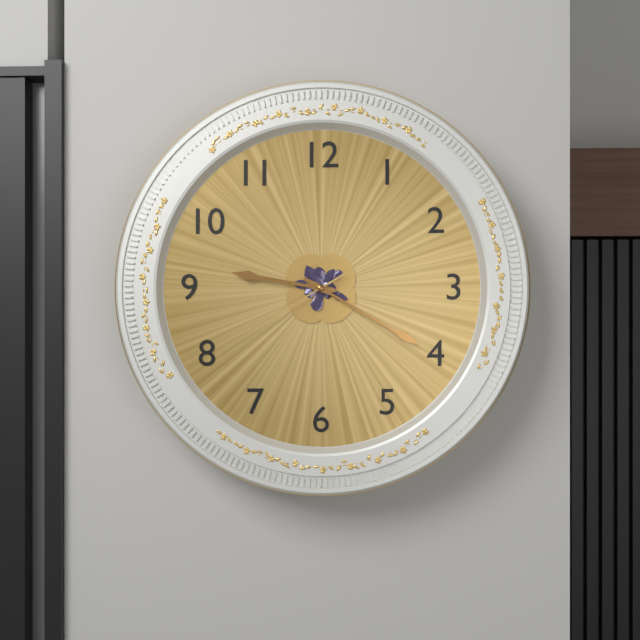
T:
9.20.40
